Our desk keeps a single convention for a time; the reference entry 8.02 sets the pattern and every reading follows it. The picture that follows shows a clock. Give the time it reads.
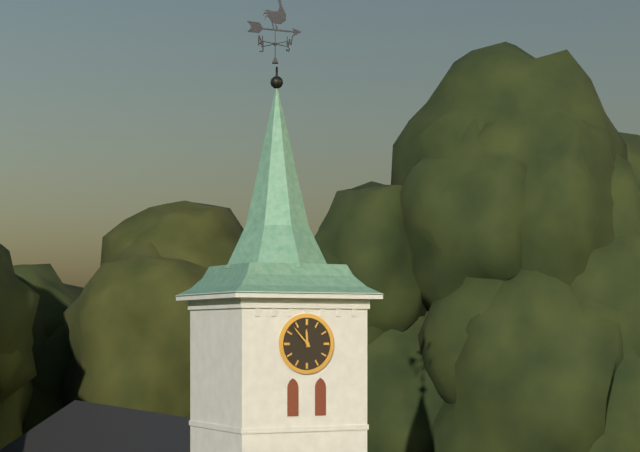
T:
11.53
